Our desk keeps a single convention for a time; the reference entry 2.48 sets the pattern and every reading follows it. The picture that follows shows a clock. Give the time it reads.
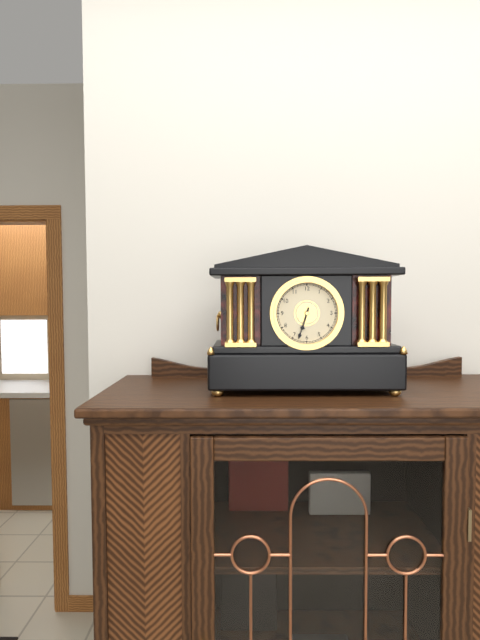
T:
6.33
